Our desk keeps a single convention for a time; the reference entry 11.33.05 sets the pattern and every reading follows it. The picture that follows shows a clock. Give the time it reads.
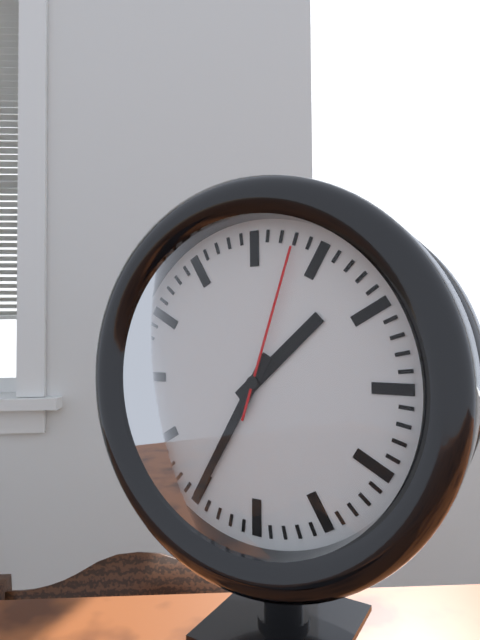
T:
1.35.03
